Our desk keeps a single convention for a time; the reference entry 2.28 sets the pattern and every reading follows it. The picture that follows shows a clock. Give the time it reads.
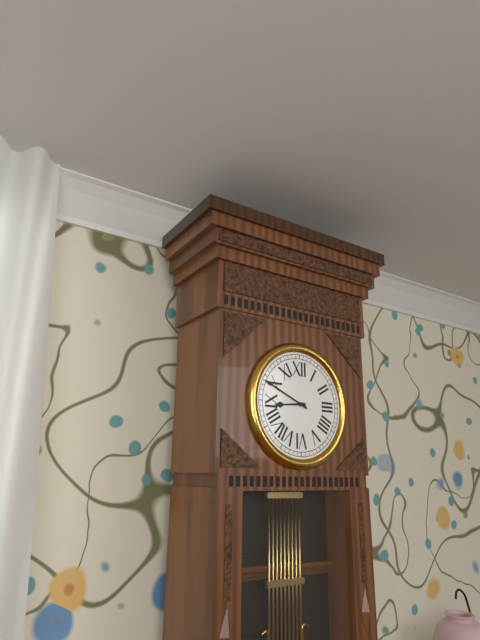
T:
8.49
